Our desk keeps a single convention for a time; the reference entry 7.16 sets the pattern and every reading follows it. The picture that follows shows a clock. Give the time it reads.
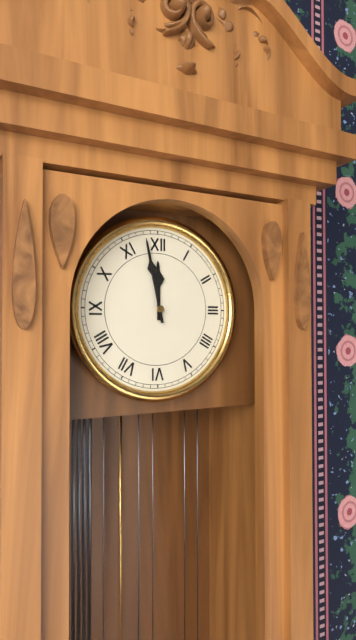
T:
11.58
